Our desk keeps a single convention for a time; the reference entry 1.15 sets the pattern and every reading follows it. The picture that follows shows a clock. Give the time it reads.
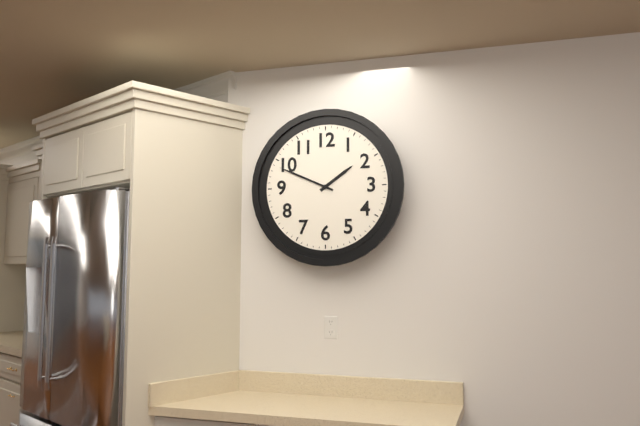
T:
1.49
